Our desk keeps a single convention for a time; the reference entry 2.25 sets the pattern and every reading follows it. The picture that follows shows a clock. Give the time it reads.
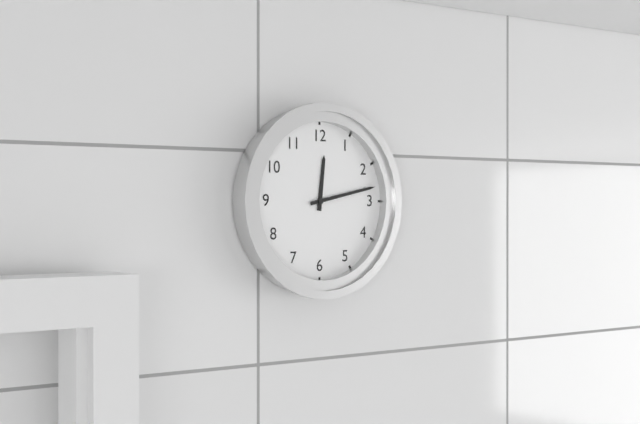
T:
12.13
